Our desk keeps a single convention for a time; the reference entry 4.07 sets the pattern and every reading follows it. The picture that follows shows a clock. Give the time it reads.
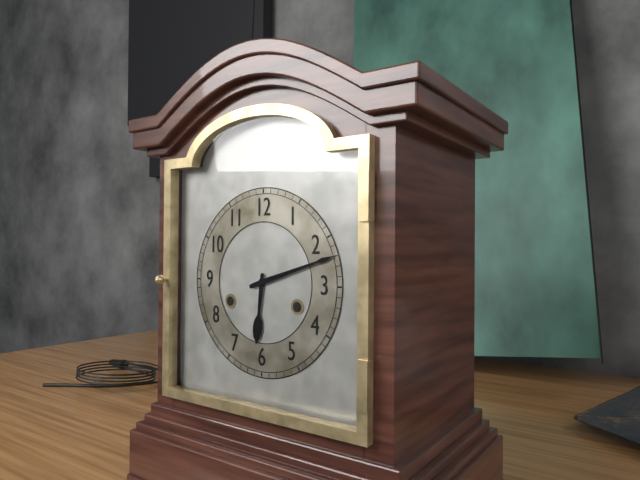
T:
6.12
